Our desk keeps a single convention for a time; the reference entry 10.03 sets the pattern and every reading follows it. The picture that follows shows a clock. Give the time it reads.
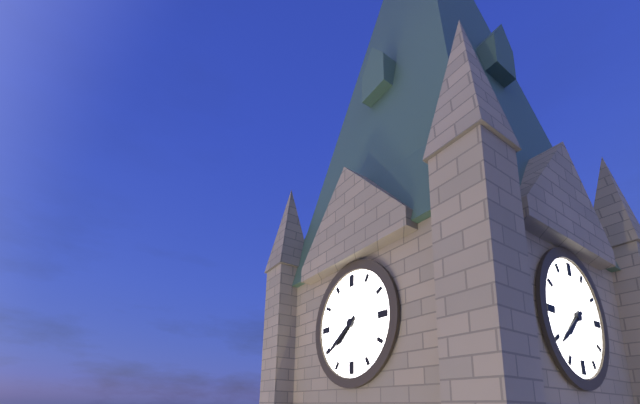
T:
7.39
